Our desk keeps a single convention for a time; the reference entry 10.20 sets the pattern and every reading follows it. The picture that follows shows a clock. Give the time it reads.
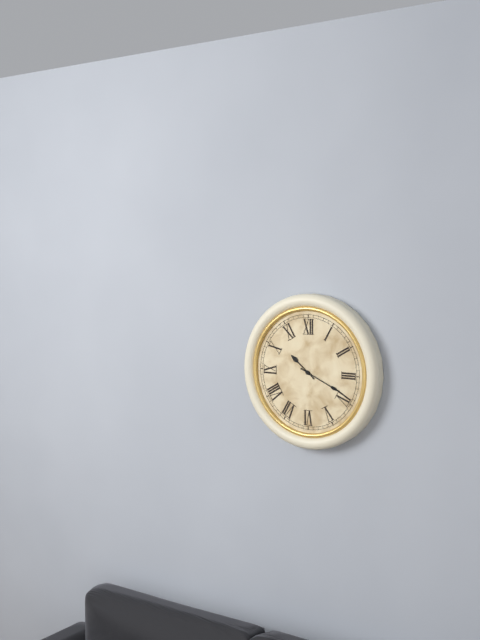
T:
10.19
